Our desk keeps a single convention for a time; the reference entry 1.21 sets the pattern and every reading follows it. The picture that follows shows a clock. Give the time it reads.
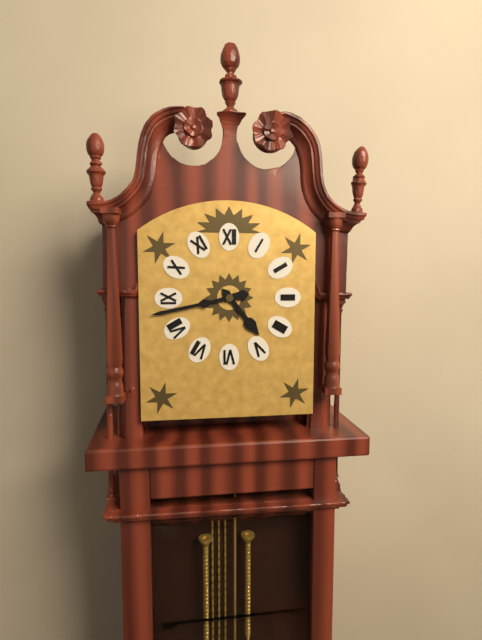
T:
4.43
